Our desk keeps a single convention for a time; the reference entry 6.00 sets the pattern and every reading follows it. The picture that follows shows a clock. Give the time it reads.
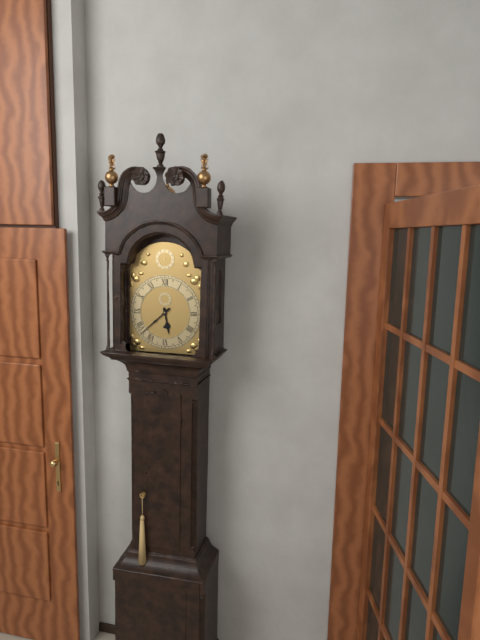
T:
5.38
